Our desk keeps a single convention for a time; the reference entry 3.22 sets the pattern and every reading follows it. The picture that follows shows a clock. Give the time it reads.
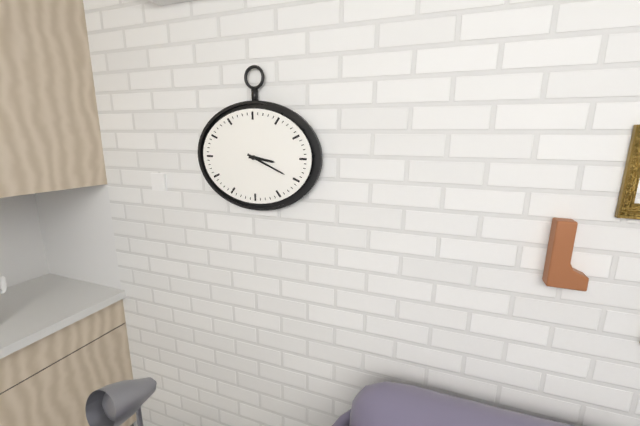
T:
3.19
